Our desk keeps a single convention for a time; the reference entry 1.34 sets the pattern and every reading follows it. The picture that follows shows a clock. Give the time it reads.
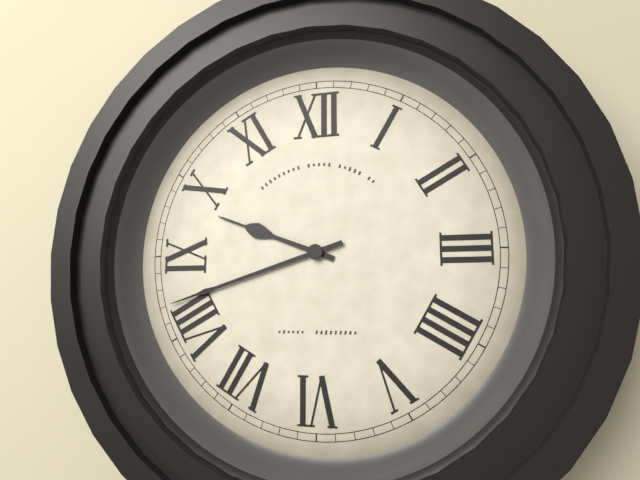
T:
9.42
